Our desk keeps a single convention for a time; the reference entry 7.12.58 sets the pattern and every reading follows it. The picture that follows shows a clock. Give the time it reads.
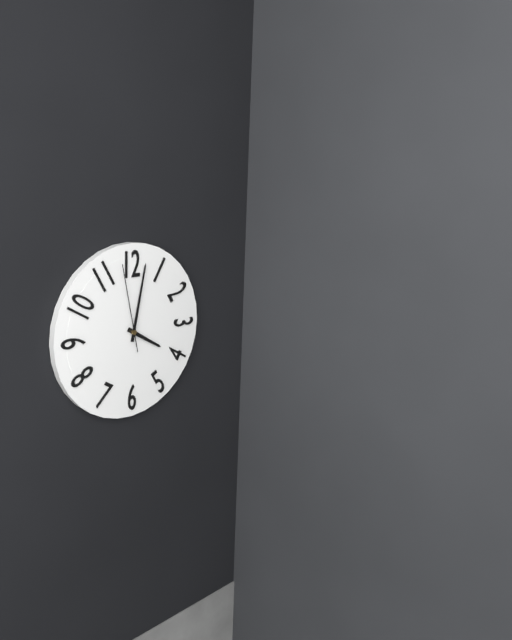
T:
4.02.58
